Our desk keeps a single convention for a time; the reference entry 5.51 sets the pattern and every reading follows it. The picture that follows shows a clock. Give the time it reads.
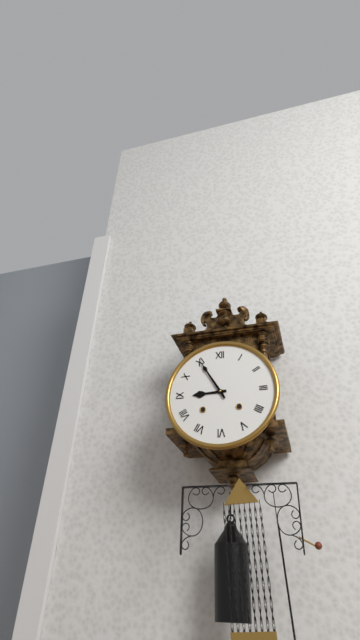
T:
8.55
